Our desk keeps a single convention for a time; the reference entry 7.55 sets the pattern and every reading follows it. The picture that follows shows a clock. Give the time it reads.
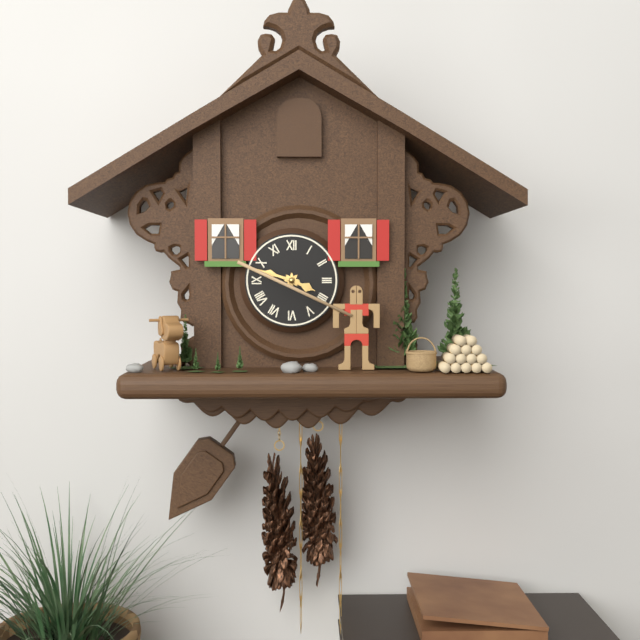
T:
3.48
